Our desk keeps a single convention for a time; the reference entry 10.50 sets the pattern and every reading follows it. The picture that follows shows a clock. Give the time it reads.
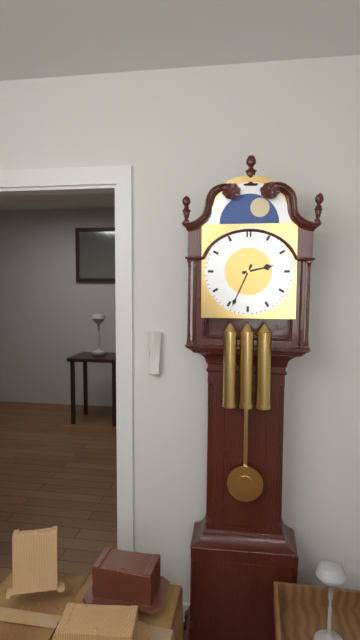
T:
2.34
